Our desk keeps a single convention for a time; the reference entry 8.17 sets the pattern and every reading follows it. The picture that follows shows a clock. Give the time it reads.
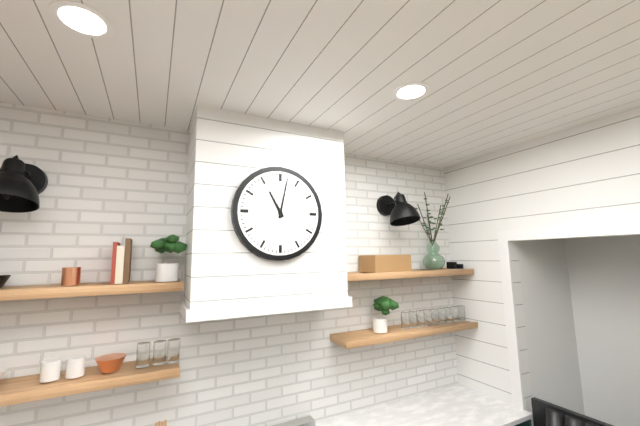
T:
11.02
